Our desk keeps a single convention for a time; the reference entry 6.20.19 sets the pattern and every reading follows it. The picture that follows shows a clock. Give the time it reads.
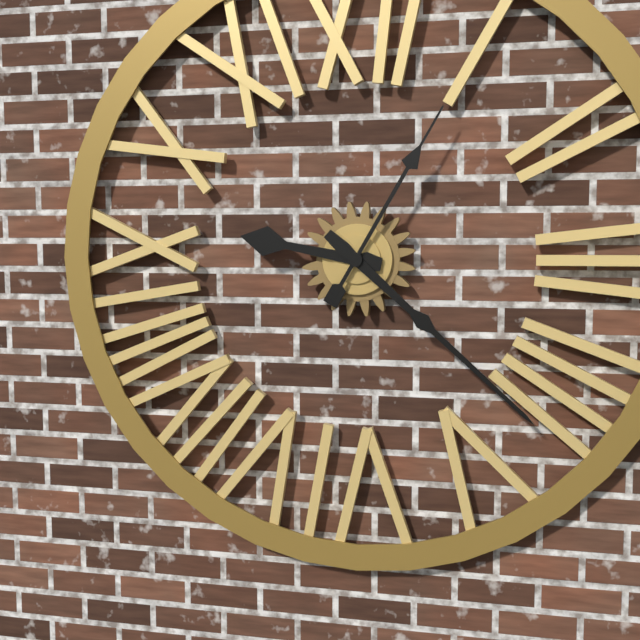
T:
9.22.05
